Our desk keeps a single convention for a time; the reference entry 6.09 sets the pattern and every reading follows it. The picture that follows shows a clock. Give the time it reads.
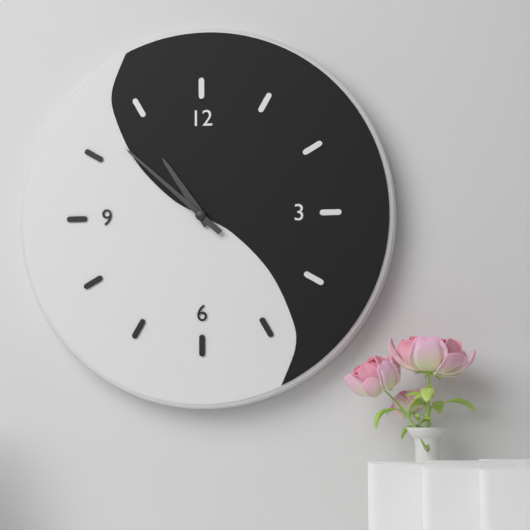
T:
10.52
